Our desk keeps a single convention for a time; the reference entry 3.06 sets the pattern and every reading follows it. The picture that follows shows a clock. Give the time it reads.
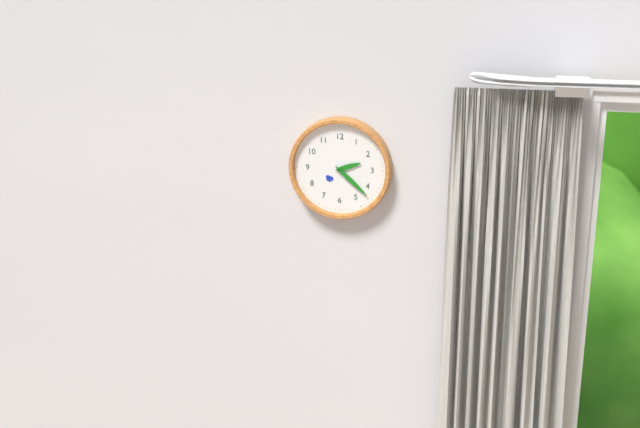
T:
2.22
